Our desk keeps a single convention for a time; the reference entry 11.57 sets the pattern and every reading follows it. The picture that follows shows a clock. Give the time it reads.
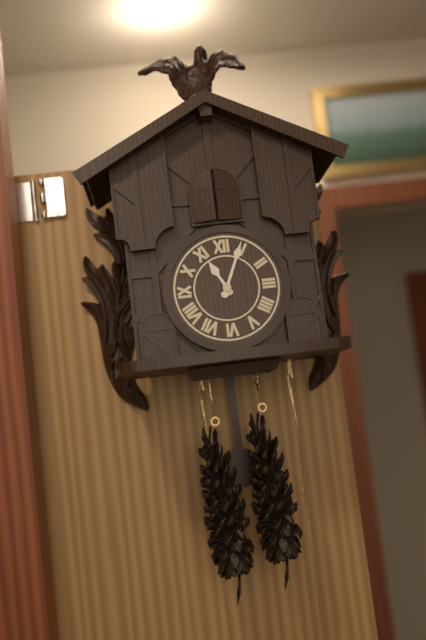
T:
11.04
